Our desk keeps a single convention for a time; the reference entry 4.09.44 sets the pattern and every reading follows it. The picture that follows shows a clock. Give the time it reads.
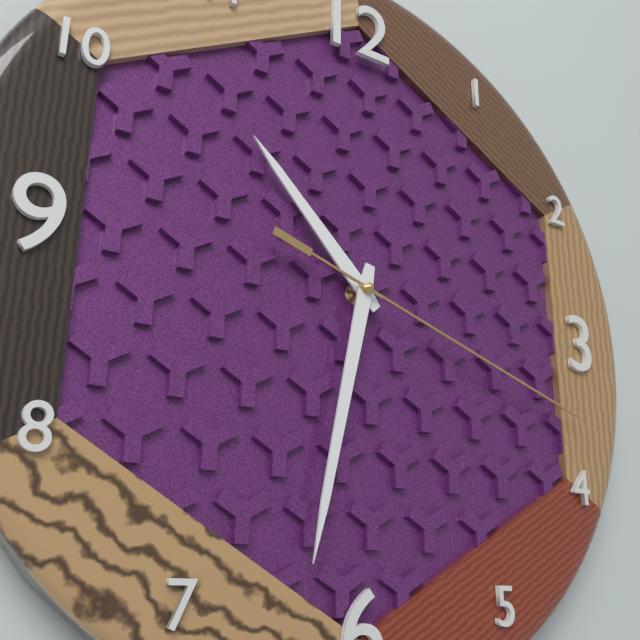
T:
10.32.18
